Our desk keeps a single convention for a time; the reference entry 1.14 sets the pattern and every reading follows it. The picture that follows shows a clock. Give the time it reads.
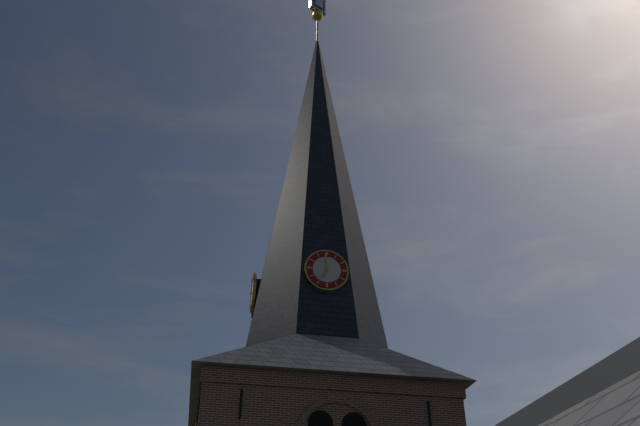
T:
6.59
